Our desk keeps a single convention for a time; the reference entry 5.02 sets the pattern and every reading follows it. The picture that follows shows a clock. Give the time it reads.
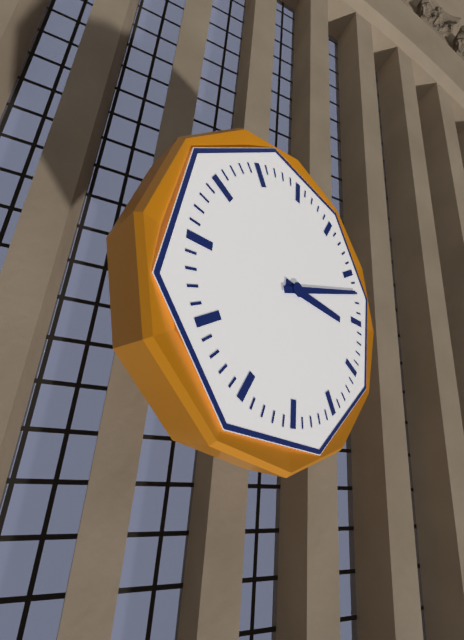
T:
3.12
